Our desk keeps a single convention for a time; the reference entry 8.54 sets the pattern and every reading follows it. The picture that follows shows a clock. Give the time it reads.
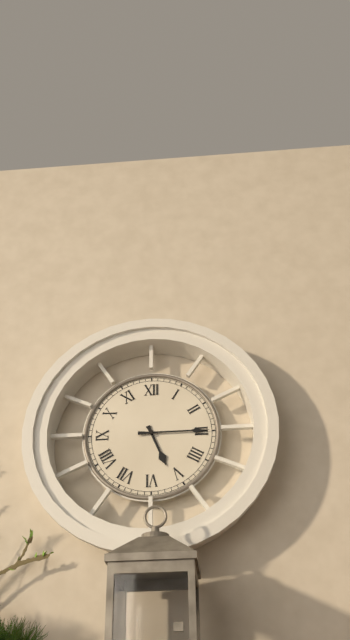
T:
5.15
